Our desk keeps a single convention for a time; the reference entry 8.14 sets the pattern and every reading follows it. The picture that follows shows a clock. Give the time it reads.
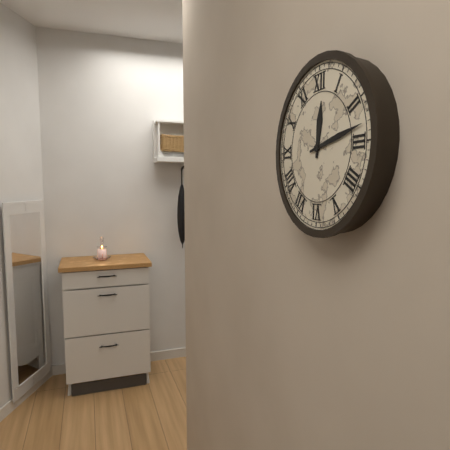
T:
12.13
